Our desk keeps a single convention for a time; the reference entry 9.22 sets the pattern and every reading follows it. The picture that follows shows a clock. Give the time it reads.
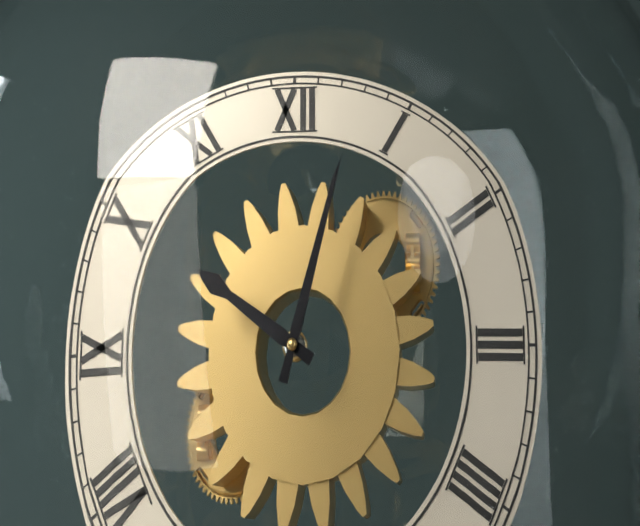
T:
10.03
